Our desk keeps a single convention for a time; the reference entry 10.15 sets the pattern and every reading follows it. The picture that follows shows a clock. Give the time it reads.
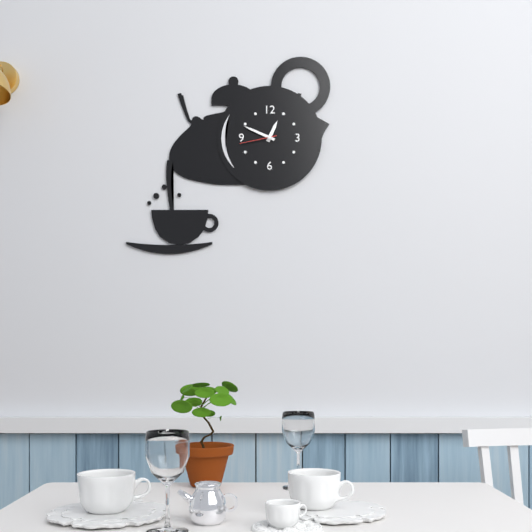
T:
12.49
